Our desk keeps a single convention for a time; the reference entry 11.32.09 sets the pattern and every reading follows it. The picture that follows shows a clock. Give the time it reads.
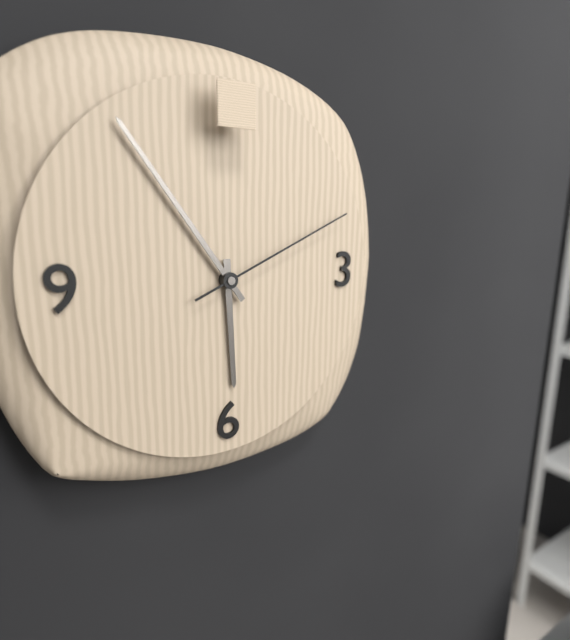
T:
5.54.11
